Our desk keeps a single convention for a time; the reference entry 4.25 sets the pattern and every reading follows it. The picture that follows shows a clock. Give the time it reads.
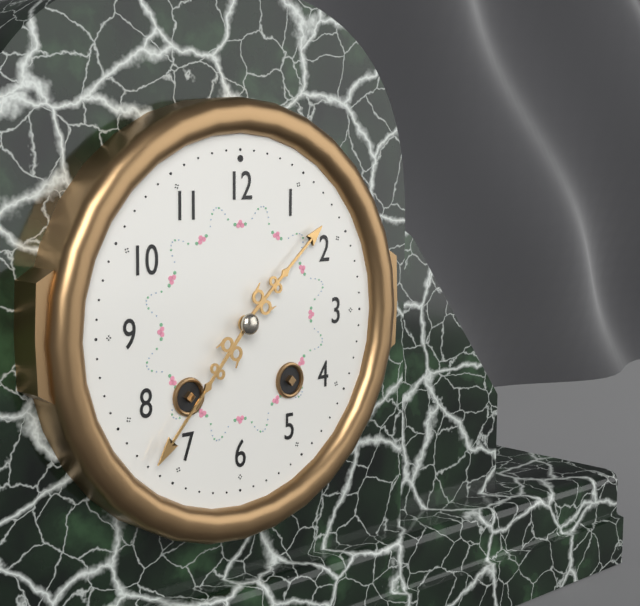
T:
1.37
